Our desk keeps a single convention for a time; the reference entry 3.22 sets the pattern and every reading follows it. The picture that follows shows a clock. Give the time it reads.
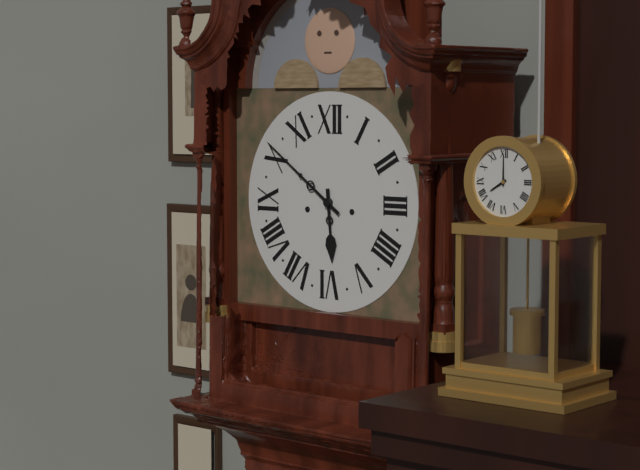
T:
5.51
